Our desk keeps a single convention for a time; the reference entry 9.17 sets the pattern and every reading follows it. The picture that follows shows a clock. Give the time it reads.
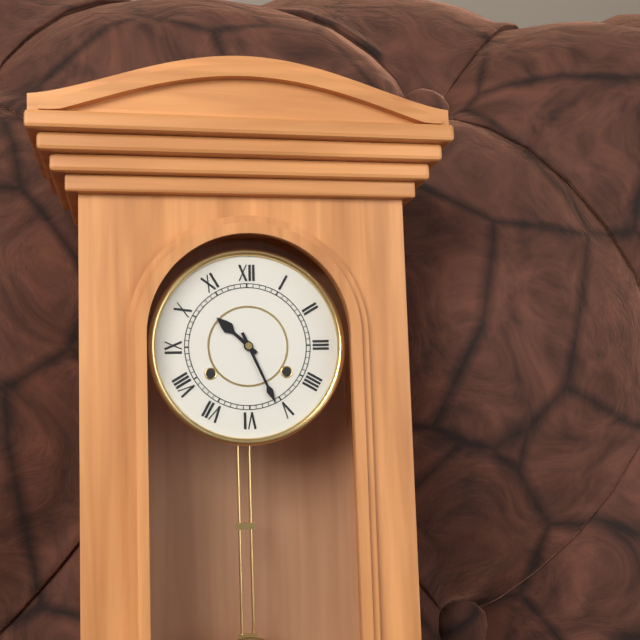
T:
10.26
